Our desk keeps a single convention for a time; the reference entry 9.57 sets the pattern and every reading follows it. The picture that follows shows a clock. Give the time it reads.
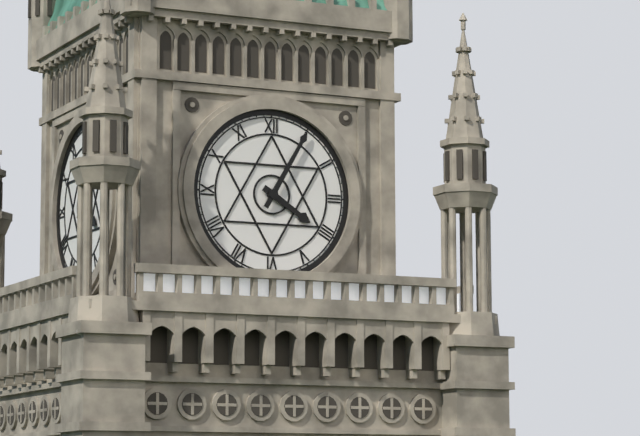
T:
4.05
